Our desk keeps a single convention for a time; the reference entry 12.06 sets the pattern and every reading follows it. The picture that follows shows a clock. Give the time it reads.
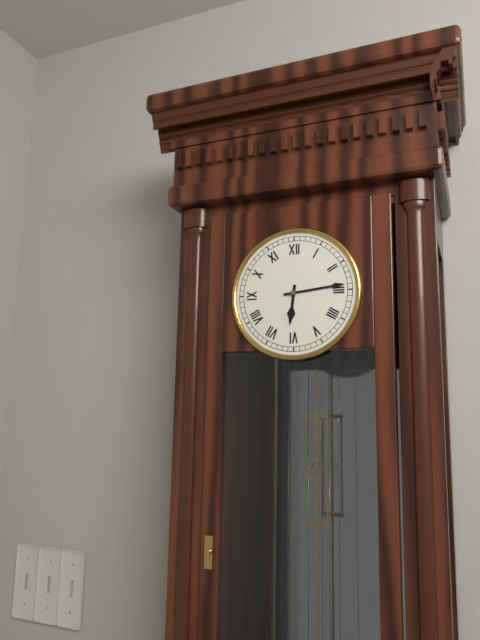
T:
6.14
